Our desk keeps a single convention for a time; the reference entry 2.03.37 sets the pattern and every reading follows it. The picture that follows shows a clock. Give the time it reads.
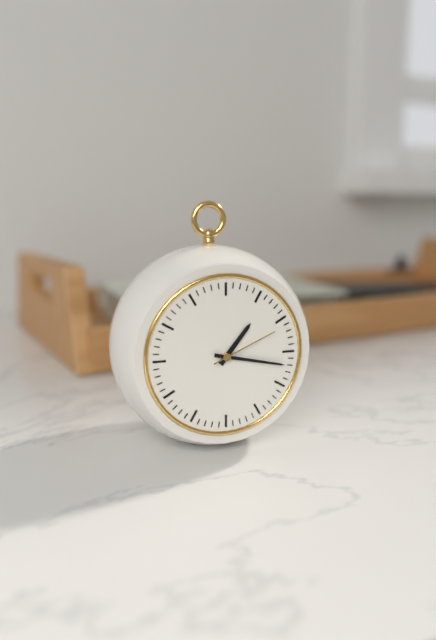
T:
1.17.11
